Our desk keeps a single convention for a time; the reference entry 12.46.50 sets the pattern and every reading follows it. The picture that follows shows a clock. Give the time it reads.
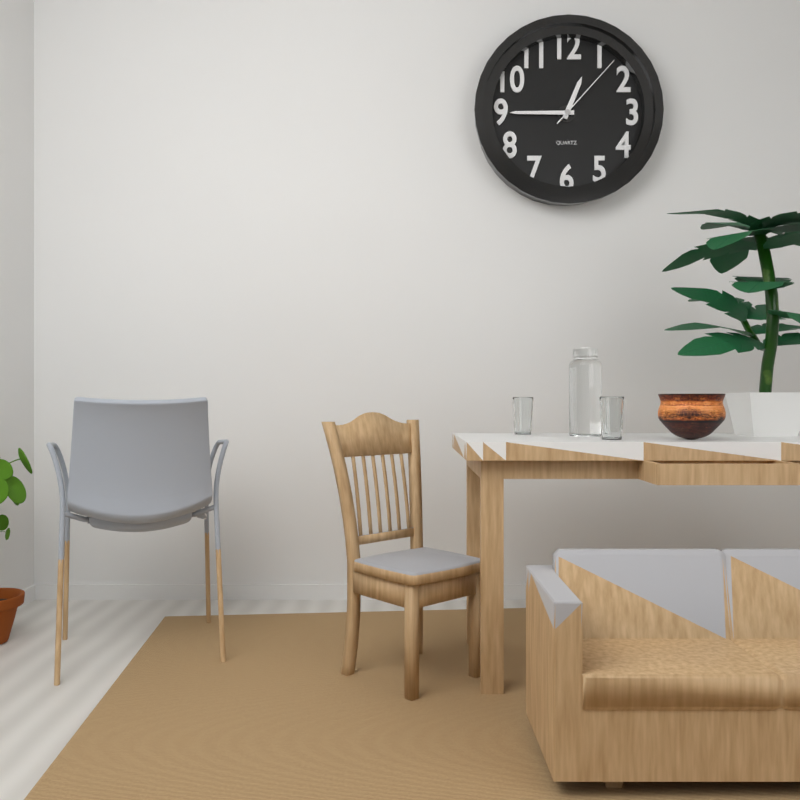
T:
12.45.07
